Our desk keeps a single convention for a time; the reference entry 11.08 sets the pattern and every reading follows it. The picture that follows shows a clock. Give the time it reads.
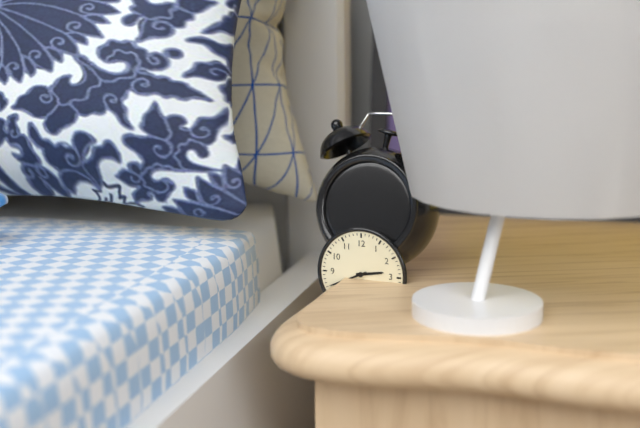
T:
2.41
